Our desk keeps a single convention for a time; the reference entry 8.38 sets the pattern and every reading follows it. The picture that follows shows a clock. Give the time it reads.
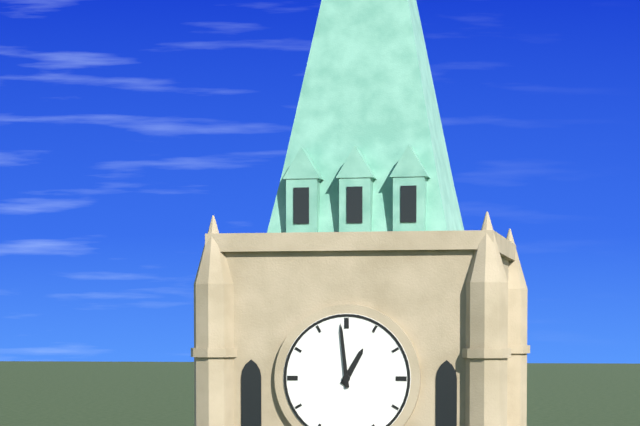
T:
12.59
